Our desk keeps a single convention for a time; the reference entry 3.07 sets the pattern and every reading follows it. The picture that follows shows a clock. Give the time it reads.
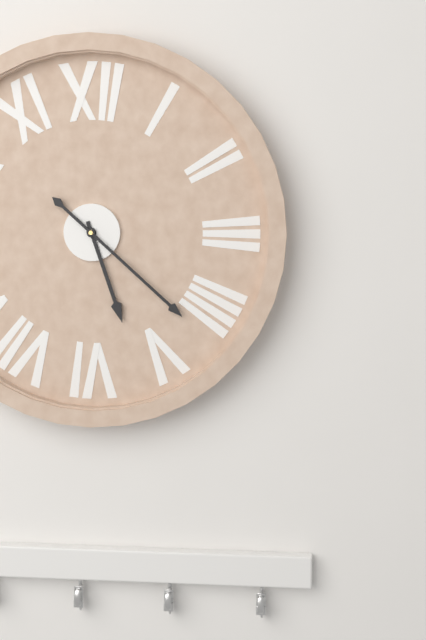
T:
5.22
